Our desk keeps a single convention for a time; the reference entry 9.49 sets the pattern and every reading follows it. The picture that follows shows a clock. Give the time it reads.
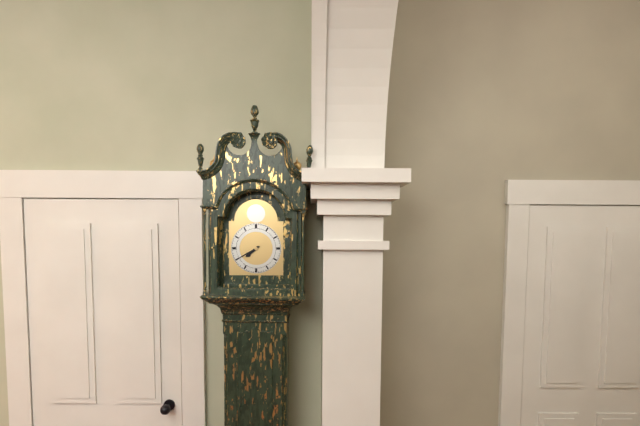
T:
7.40
